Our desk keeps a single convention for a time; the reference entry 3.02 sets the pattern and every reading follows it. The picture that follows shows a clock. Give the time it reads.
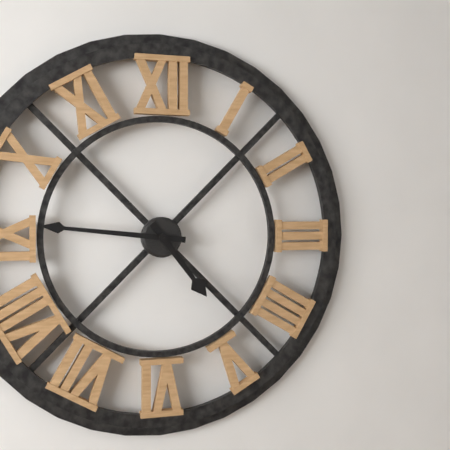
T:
4.46
